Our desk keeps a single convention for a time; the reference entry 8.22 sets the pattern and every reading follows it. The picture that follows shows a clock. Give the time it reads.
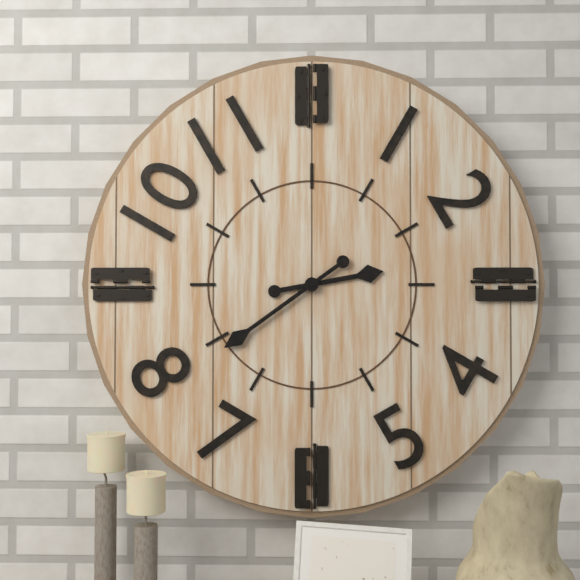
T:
2.39
